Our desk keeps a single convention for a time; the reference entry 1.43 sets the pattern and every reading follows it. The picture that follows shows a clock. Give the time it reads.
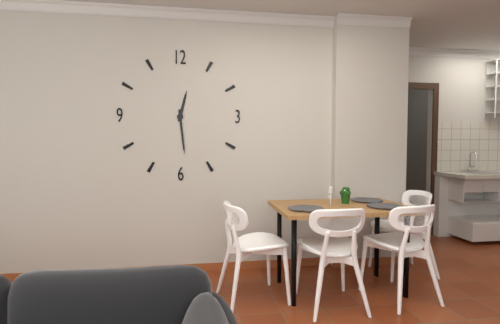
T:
12.29
